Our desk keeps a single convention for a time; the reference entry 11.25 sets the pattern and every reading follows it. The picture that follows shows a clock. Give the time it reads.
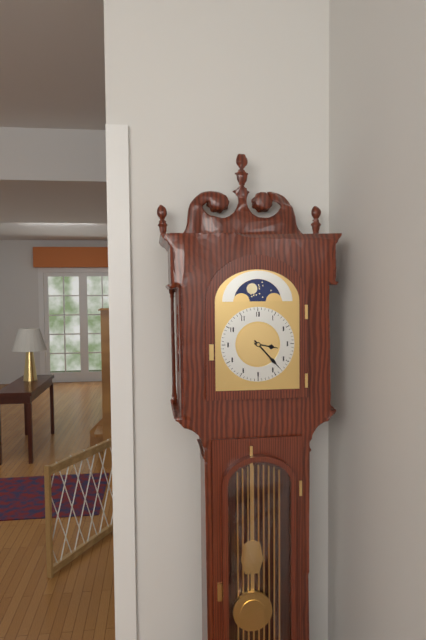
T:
3.23
